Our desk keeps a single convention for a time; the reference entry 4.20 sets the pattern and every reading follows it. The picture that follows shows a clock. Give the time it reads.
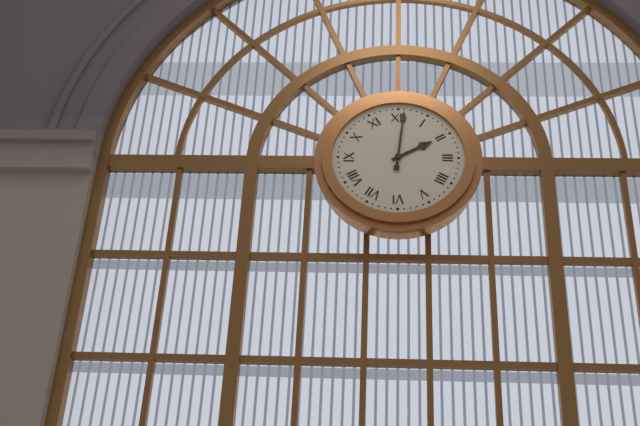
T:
2.01
